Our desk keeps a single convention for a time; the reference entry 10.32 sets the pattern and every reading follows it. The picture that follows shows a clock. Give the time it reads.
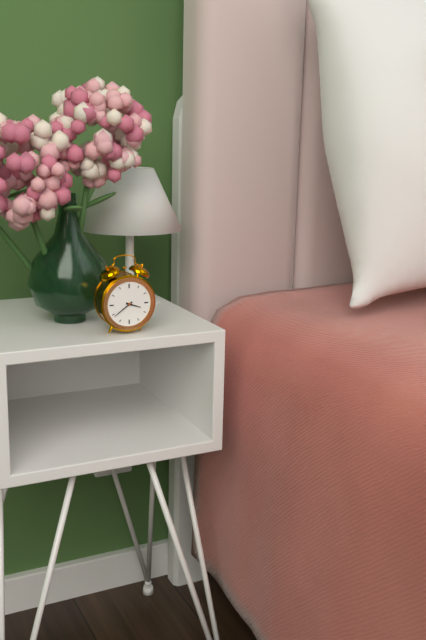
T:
3.39
